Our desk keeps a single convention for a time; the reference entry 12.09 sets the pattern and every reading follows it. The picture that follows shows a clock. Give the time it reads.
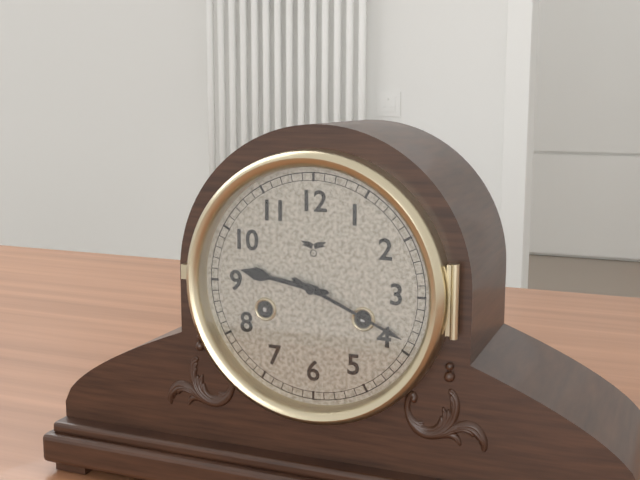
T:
9.19
